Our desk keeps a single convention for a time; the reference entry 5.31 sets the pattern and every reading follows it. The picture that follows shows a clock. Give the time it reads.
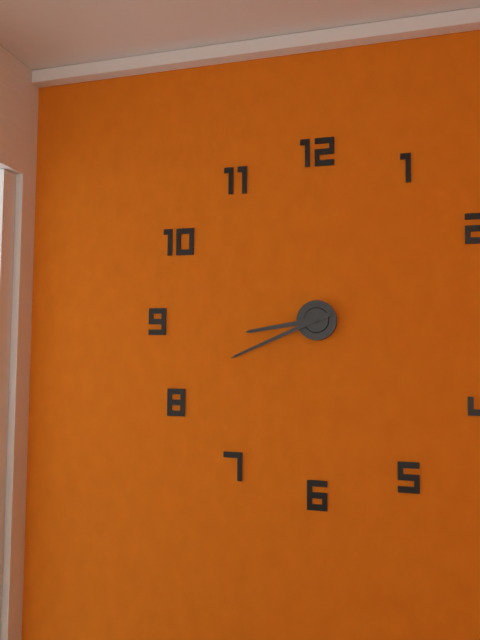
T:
8.41
